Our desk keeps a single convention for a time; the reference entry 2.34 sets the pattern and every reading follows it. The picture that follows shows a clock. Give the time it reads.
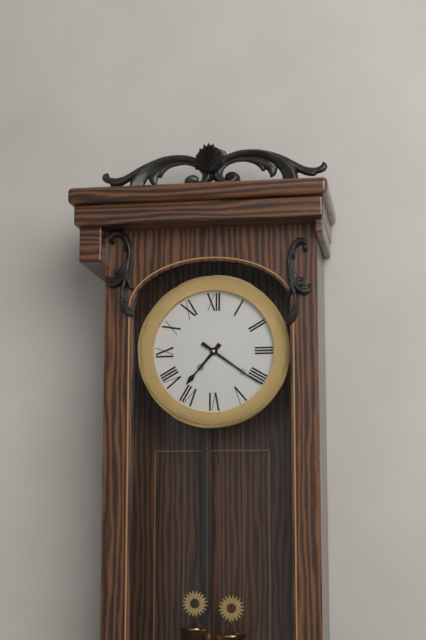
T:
7.21
